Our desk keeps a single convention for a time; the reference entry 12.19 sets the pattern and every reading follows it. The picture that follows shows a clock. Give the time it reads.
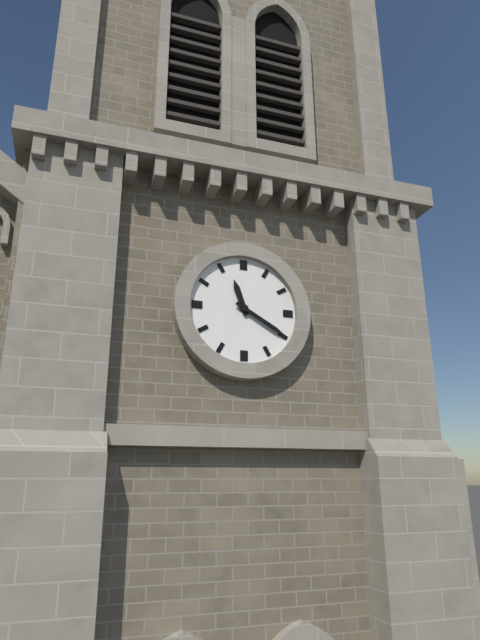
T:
11.20
